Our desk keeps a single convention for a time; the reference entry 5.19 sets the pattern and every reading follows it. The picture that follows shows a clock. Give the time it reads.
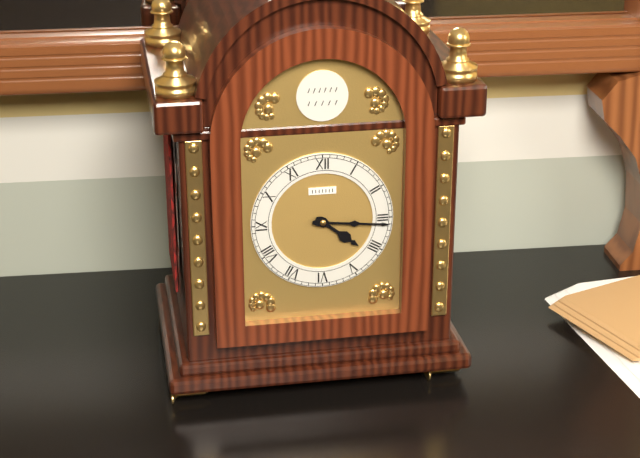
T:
4.16
